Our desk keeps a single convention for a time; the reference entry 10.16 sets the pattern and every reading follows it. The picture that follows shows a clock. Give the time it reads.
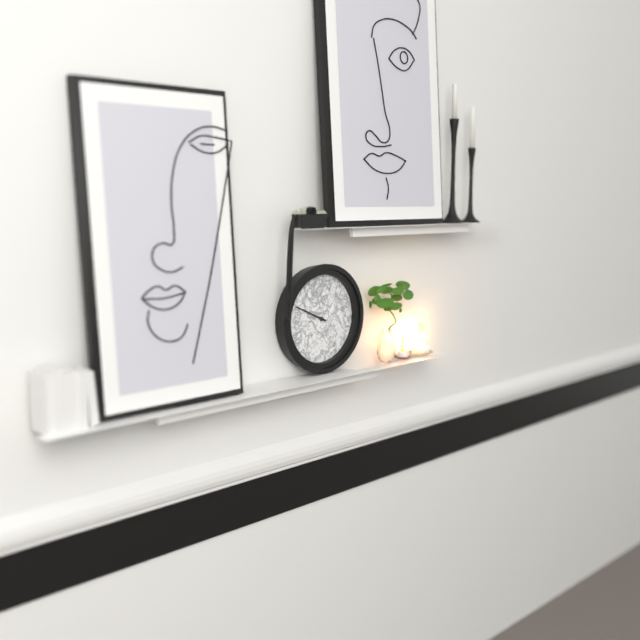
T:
9.49
